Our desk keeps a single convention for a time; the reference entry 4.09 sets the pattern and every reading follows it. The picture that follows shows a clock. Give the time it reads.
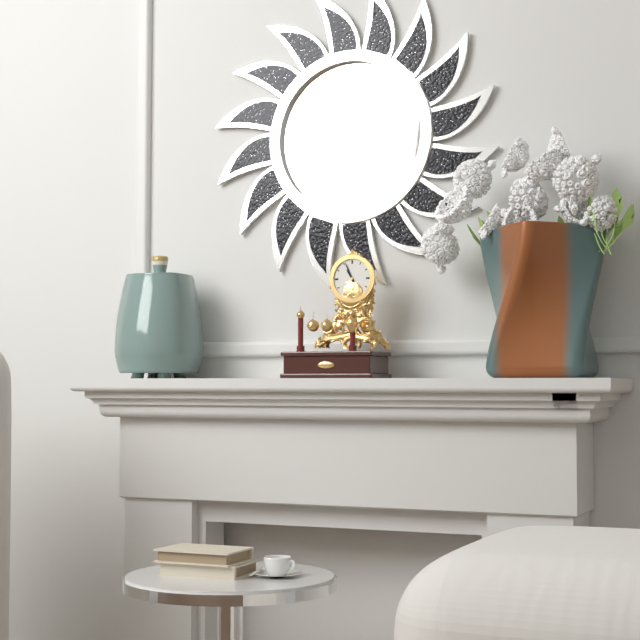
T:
10.56
